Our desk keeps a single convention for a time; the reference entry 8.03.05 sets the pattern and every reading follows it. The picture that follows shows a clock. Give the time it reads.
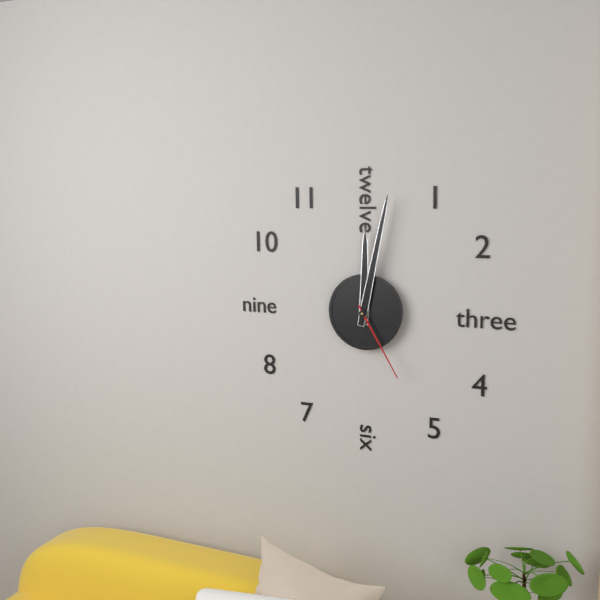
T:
12.02.25
